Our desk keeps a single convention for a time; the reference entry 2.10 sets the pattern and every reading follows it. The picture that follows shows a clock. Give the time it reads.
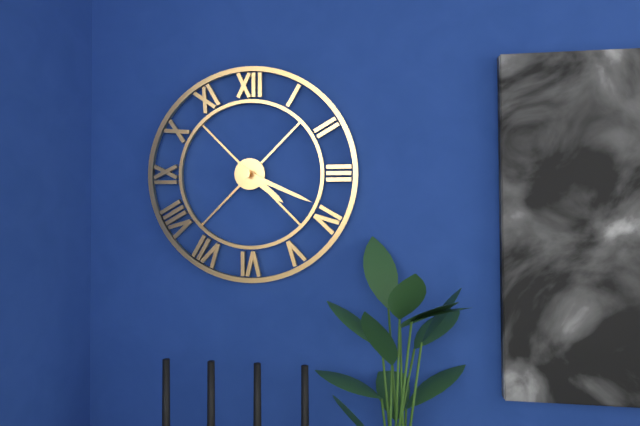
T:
4.19
